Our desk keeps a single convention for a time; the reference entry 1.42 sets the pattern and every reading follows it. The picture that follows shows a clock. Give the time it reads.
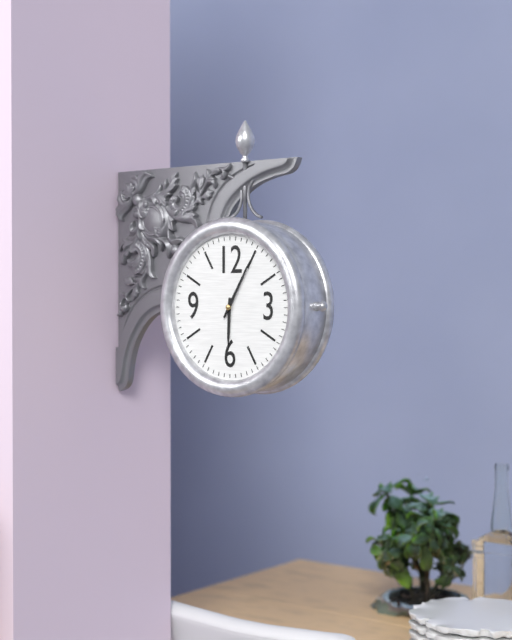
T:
6.05
